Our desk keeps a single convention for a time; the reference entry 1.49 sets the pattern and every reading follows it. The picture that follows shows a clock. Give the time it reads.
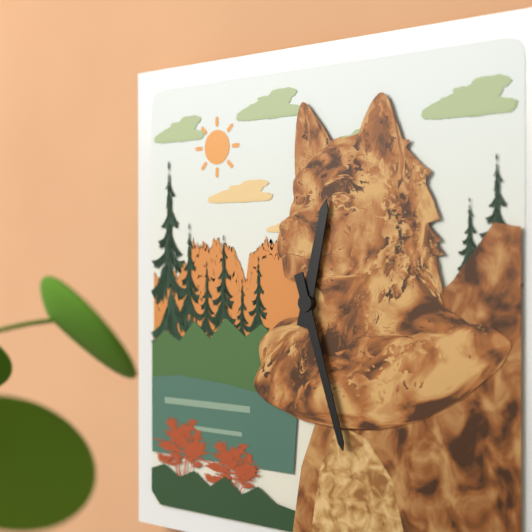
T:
12.27
